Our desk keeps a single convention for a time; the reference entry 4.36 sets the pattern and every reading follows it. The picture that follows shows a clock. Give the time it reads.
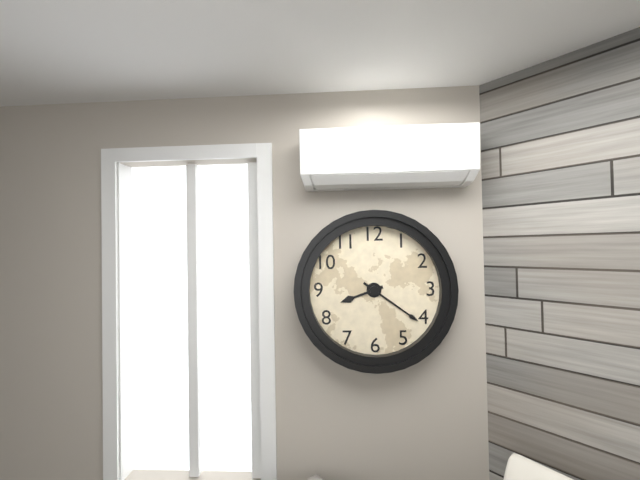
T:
8.21
